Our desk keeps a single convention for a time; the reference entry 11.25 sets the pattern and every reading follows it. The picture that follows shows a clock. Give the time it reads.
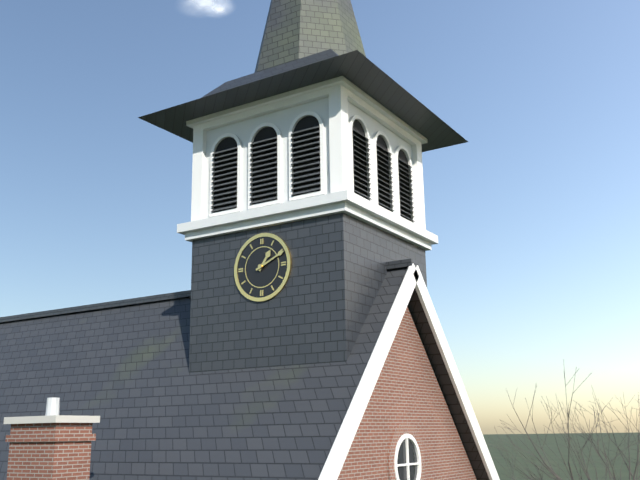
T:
1.11
